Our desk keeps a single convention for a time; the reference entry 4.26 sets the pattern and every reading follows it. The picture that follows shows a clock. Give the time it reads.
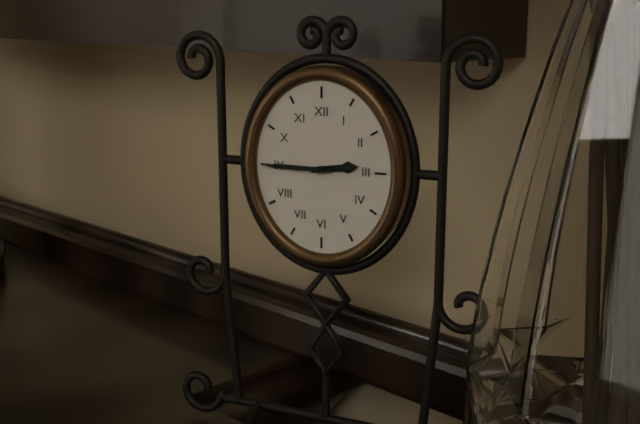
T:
2.45
